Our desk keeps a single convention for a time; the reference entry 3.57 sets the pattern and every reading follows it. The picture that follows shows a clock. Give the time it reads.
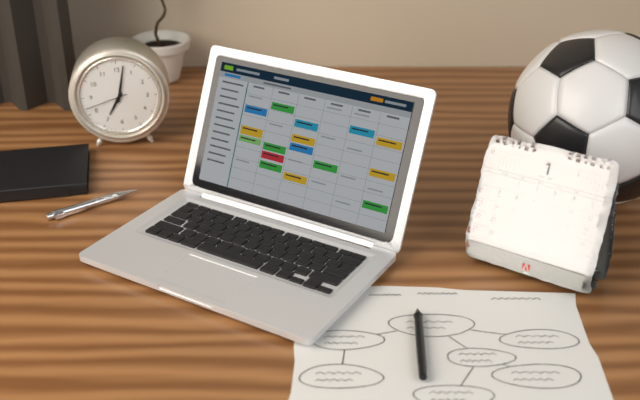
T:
7.02
